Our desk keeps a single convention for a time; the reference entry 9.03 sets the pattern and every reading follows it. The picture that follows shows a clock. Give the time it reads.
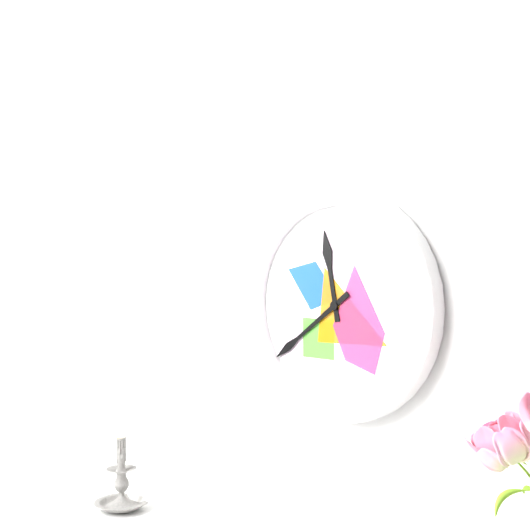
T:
11.39
